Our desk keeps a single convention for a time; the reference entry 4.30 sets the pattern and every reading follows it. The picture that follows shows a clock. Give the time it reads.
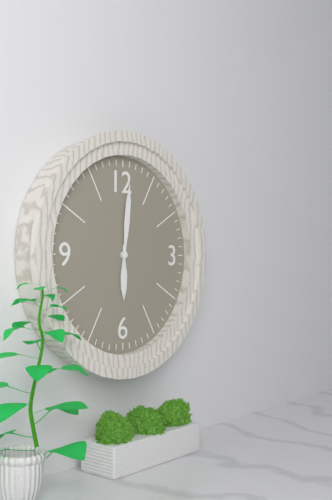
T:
6.01
